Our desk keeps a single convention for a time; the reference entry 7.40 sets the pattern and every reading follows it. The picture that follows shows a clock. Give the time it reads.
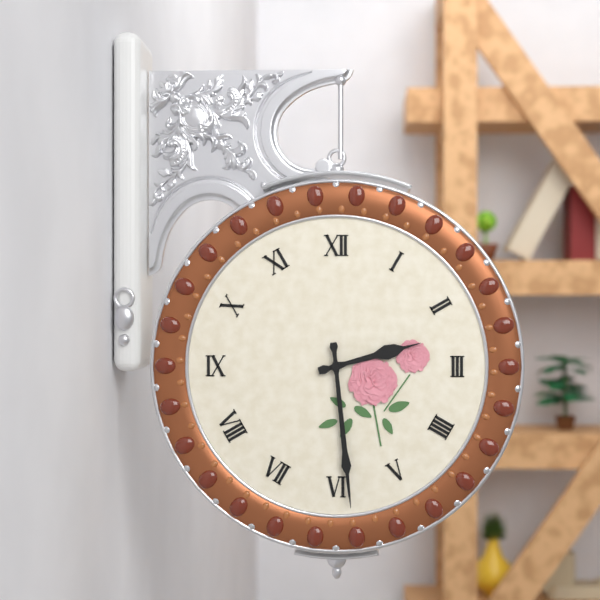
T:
2.29
